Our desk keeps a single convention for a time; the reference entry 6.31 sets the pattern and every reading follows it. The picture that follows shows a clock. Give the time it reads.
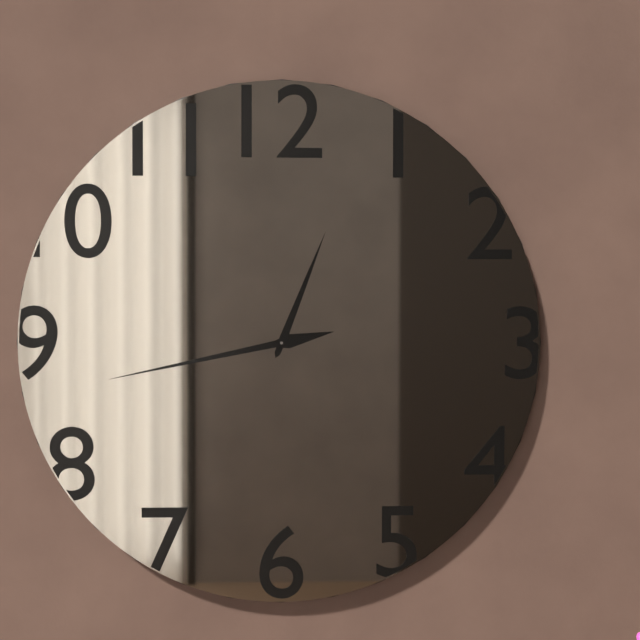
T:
12.43
